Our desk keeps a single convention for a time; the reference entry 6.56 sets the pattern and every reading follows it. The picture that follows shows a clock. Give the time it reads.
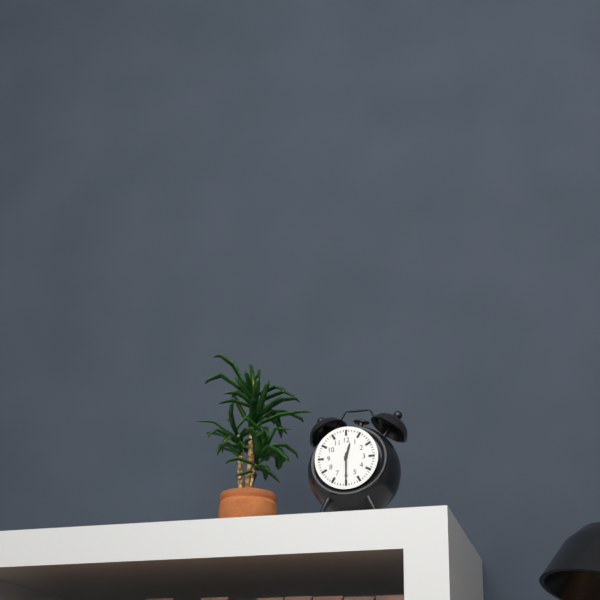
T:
12.30
